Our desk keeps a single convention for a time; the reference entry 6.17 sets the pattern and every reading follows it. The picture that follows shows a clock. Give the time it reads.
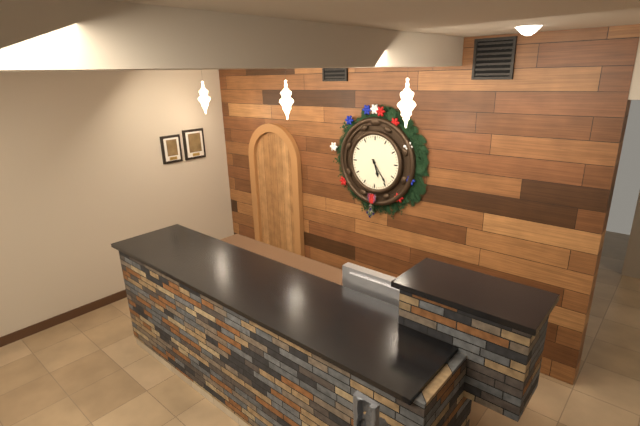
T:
5.24
